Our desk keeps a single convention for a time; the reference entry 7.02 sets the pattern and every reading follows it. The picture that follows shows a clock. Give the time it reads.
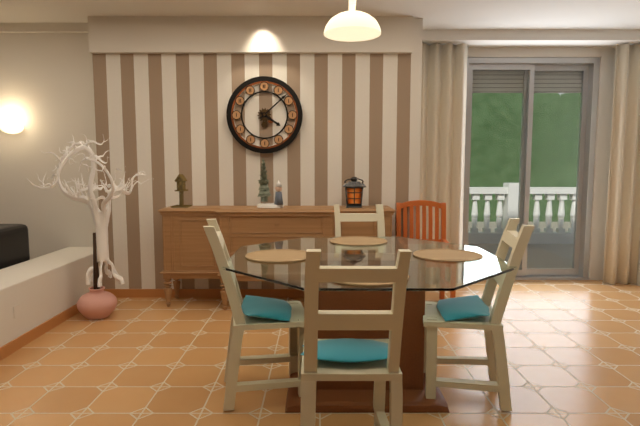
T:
4.08
